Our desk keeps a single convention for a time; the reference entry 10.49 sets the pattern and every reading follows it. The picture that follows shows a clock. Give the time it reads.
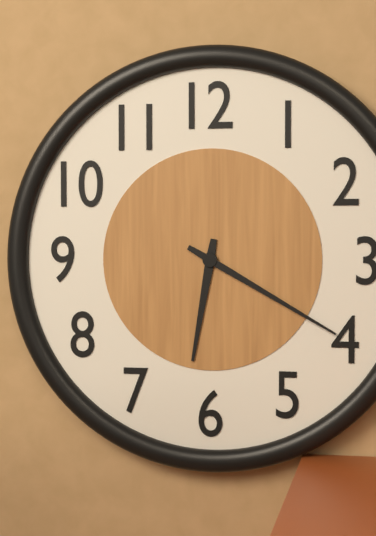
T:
6.20
